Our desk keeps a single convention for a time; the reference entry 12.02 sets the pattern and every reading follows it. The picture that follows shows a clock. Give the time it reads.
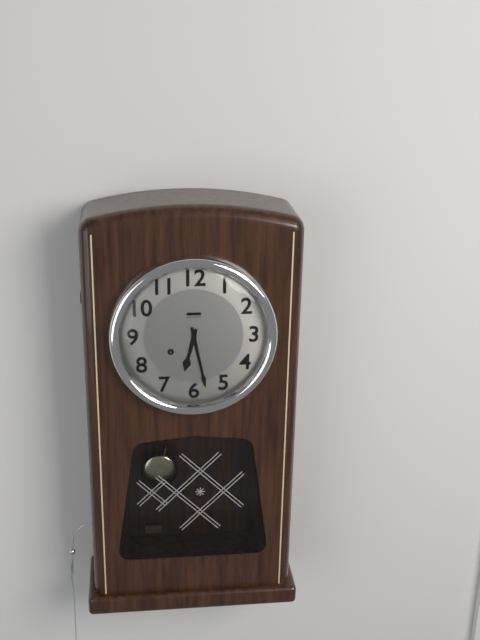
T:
6.28
